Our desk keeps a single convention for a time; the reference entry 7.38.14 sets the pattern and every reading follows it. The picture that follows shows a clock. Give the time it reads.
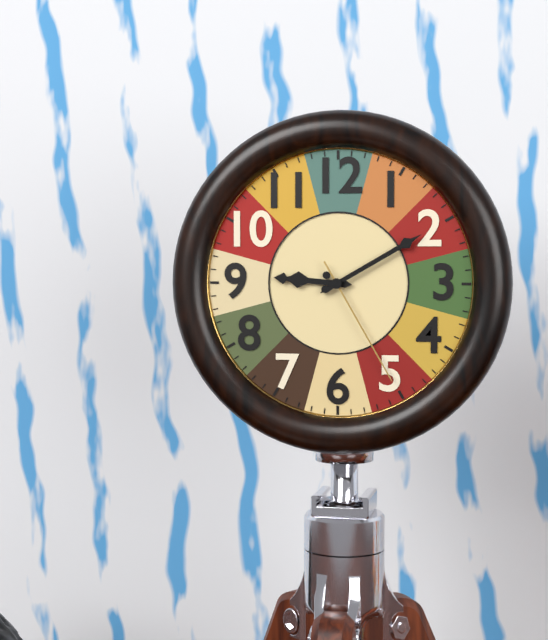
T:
9.10.25
